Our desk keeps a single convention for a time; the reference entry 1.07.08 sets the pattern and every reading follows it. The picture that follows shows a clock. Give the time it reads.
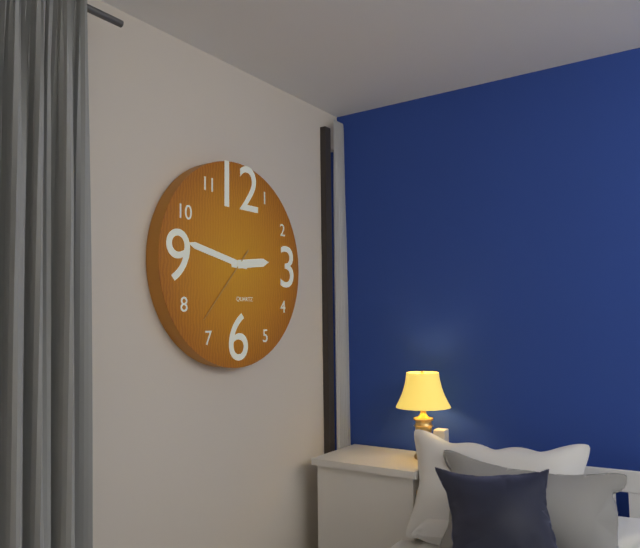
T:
2.47.37
